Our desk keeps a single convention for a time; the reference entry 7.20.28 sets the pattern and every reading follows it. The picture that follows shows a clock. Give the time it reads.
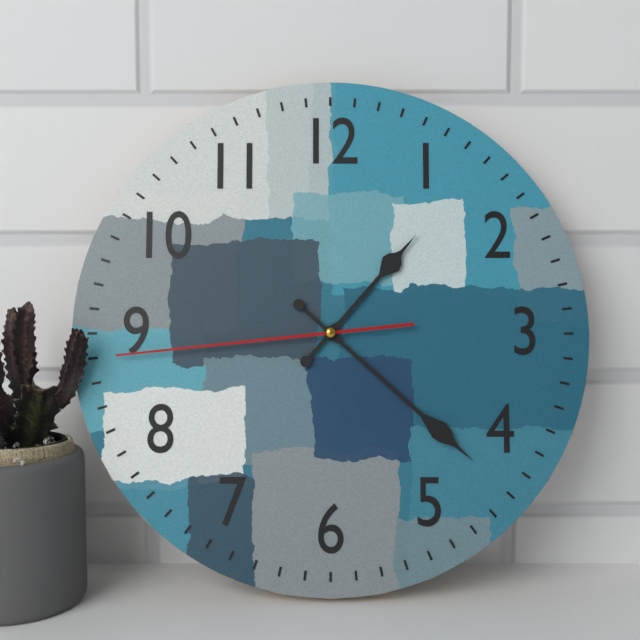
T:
1.22.44
